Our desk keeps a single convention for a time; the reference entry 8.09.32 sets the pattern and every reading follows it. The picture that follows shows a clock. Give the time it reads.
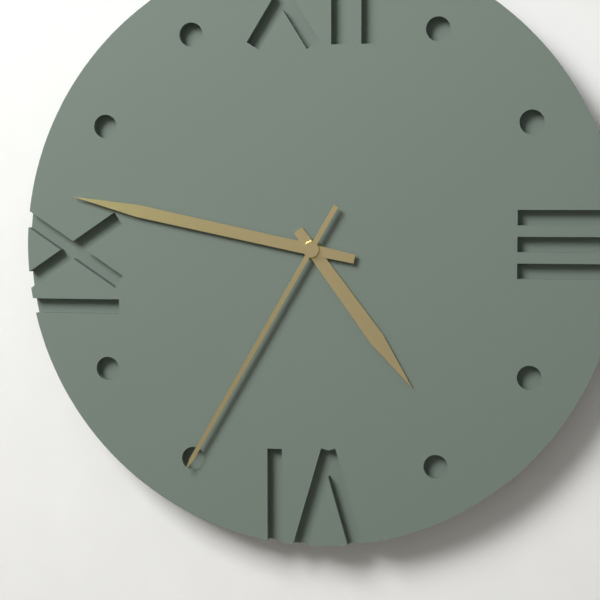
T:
4.47.35
